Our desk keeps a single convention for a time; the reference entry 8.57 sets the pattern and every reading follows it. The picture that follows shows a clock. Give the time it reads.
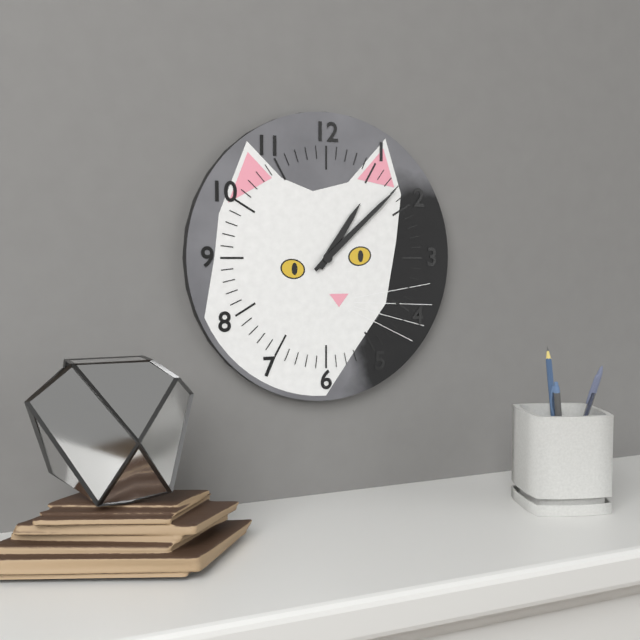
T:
1.08
